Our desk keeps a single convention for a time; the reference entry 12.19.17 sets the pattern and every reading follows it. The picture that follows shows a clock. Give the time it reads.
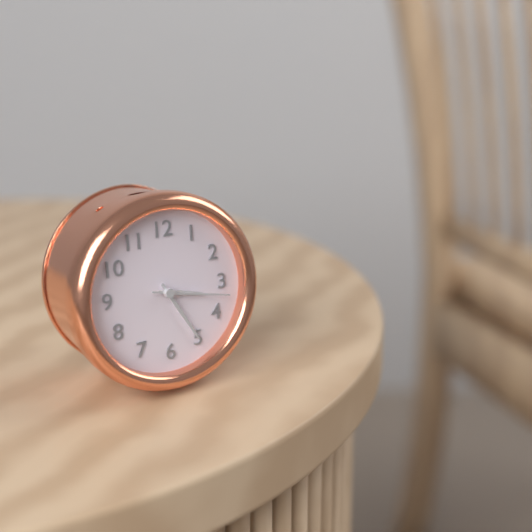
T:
3.25.17
